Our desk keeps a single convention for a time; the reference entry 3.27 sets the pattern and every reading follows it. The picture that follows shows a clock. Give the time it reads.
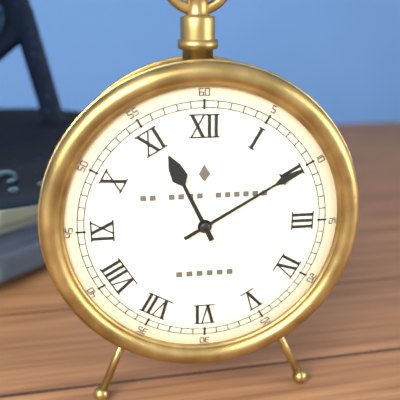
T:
11.10
